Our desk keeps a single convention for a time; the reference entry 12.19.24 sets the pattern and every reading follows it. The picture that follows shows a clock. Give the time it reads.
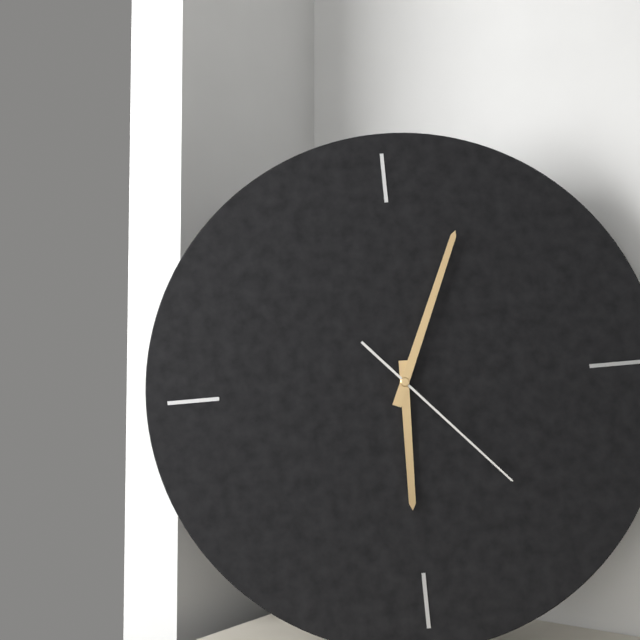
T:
6.04.23
